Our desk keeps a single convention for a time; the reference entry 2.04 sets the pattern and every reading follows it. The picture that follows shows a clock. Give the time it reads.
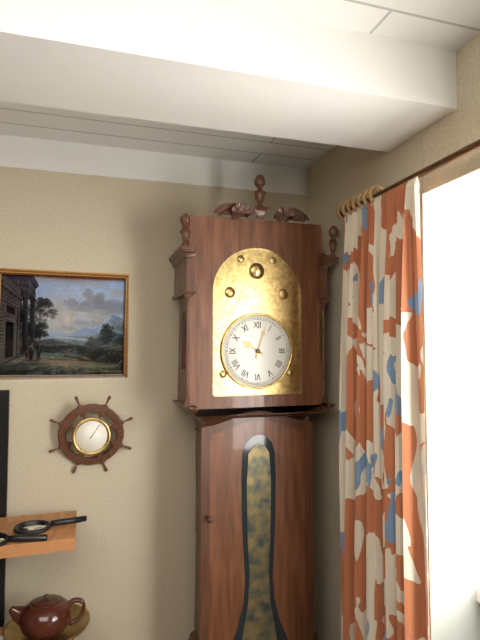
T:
10.03
